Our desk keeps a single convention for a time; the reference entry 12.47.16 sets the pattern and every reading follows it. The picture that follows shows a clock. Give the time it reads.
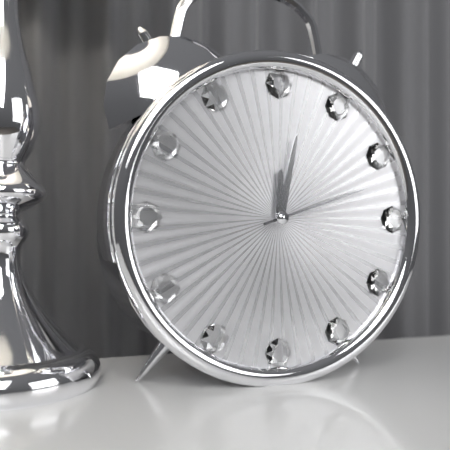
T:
12.02.12
